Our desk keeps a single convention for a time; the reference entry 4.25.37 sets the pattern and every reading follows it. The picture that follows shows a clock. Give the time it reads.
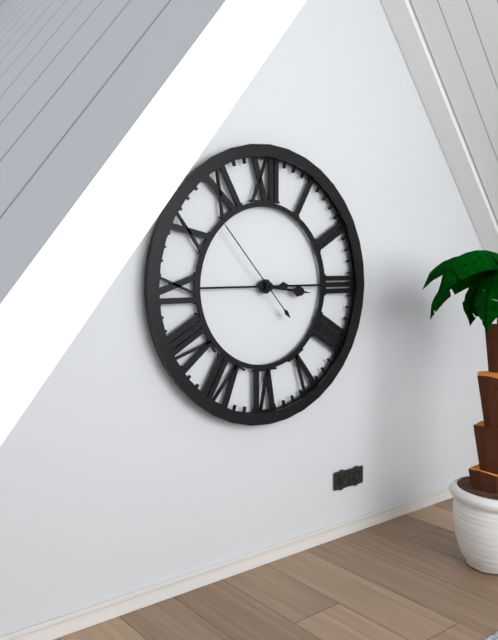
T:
3.15.53
